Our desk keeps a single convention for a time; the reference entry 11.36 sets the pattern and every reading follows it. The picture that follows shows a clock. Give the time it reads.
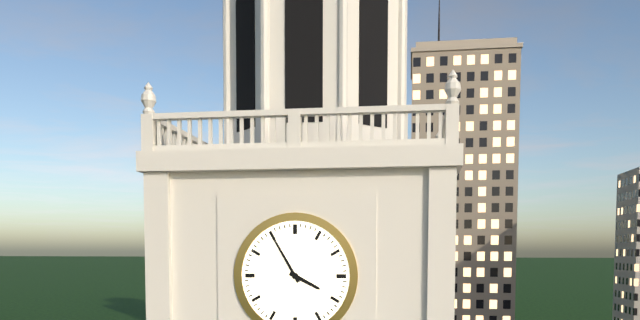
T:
3.55
